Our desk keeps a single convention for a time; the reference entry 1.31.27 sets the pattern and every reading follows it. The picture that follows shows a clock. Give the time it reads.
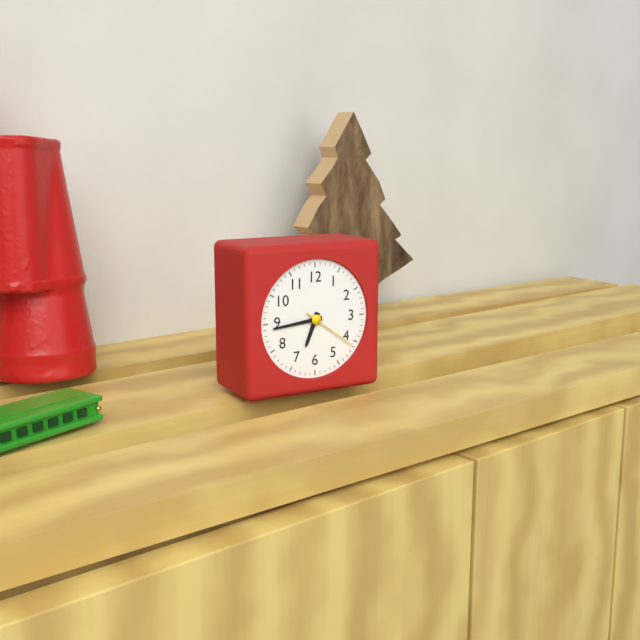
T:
6.44.21
